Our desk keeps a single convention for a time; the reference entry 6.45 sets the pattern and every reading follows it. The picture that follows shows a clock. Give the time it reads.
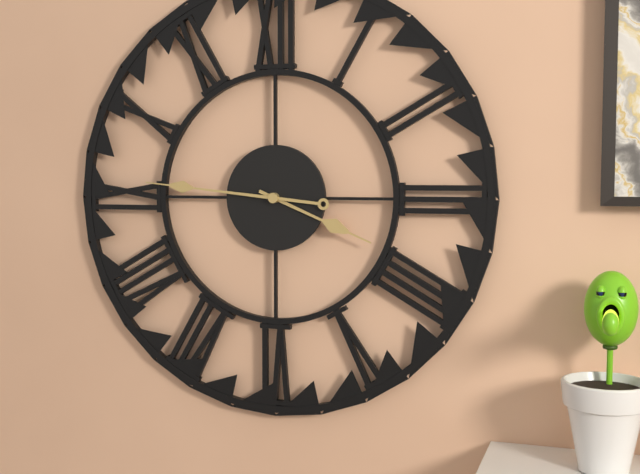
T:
3.46
